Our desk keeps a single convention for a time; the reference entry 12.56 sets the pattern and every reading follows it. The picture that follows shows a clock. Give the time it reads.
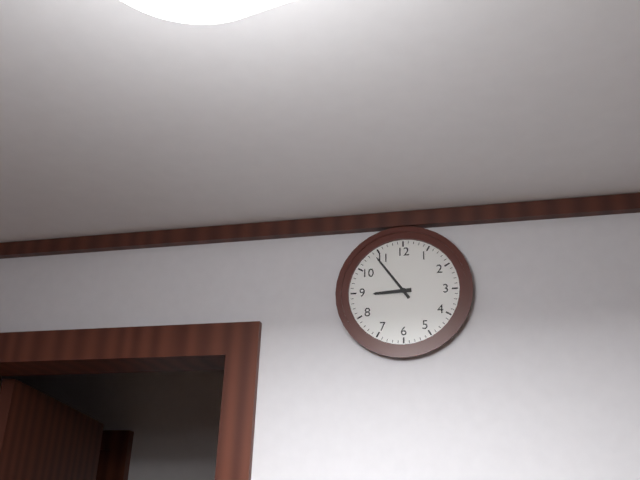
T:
8.54
